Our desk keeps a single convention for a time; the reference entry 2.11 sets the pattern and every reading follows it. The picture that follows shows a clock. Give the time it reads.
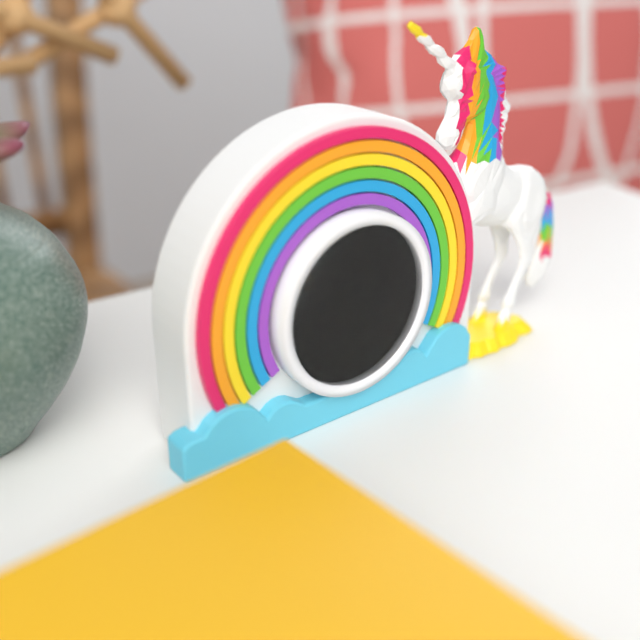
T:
7.27
